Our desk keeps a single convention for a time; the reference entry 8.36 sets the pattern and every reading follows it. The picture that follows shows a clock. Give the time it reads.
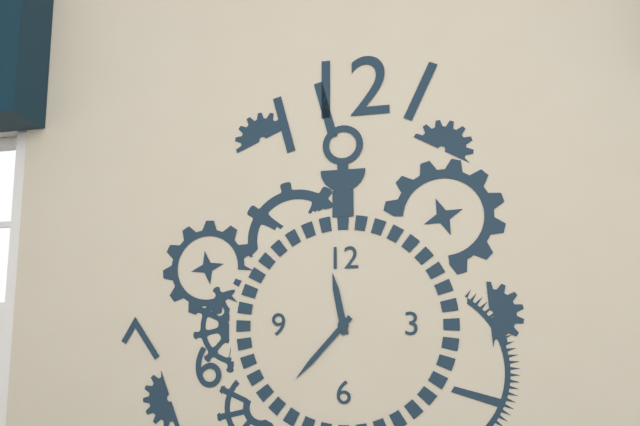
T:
11.37
